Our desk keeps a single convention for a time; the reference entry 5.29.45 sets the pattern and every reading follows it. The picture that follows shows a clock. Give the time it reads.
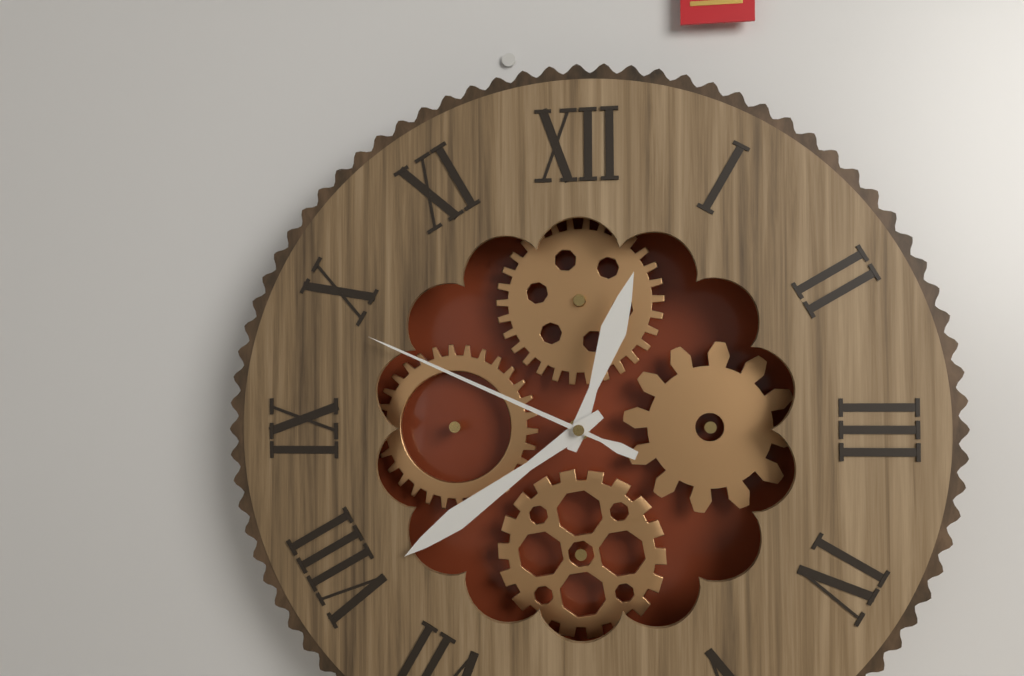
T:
12.39.49
